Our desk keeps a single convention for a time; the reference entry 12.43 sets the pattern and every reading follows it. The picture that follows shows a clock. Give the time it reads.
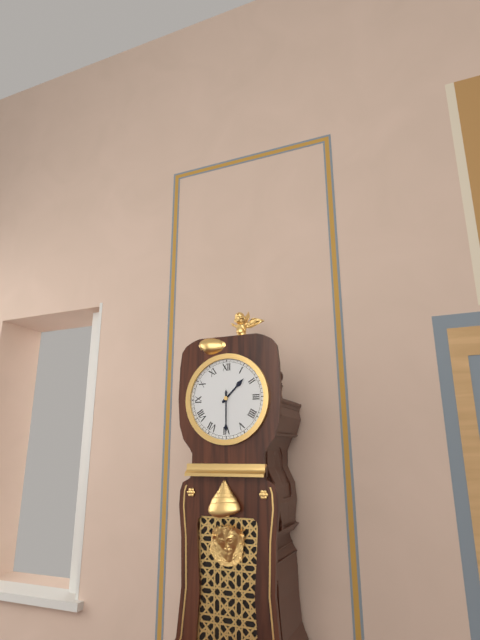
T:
1.30
